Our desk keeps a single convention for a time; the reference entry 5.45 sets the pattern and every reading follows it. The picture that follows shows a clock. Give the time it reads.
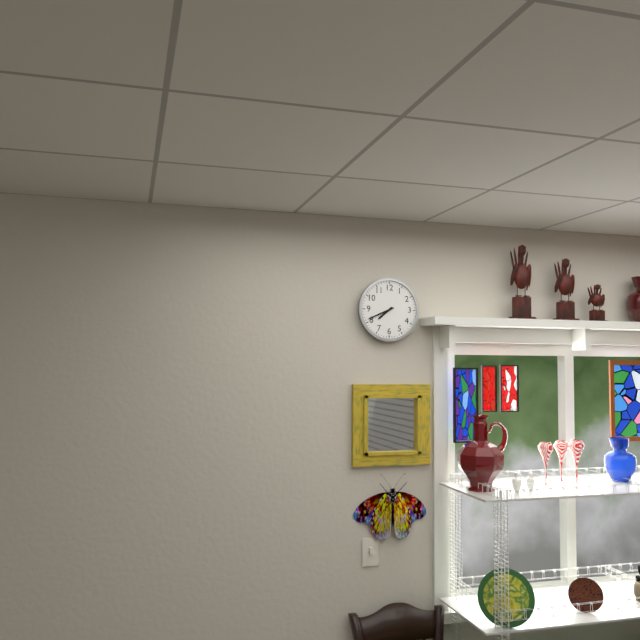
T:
7.41
